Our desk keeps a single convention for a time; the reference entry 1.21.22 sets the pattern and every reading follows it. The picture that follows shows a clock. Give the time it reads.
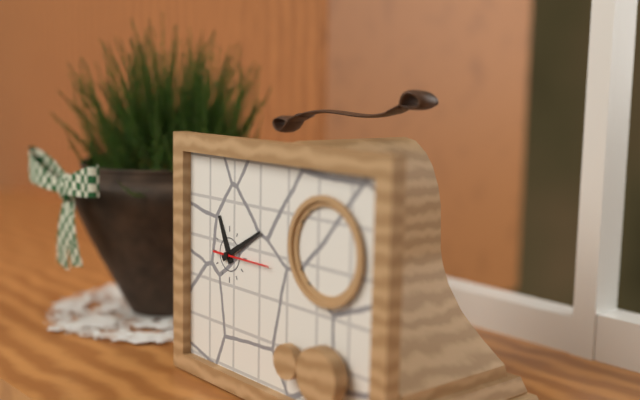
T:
11.10.15
